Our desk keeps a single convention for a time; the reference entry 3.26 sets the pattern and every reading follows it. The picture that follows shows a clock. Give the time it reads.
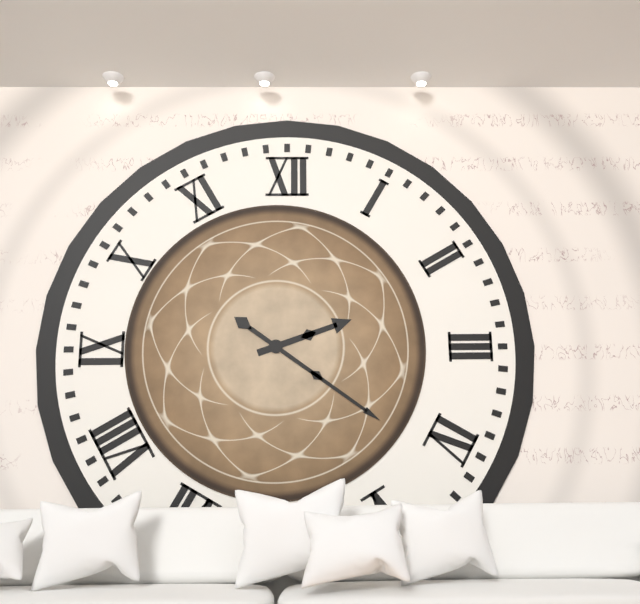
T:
2.21
